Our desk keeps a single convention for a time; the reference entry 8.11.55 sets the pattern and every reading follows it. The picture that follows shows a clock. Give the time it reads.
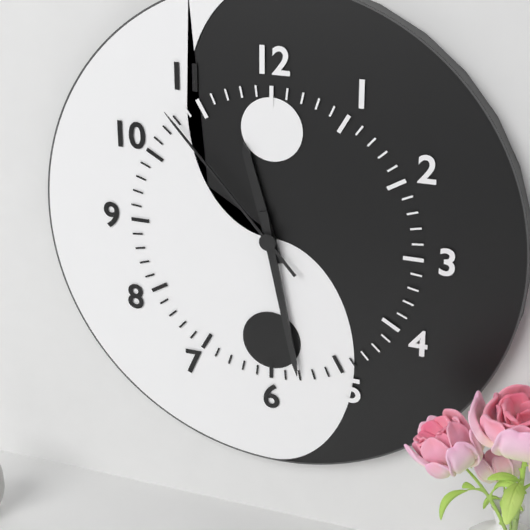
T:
11.28.53
